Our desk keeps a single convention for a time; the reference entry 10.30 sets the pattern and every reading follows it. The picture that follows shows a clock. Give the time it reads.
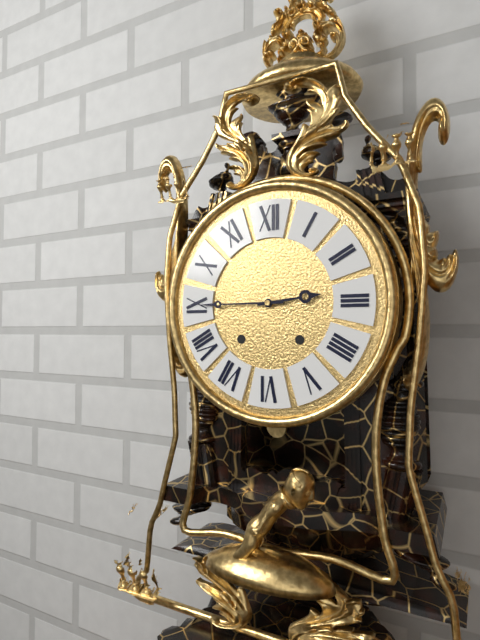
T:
2.45
